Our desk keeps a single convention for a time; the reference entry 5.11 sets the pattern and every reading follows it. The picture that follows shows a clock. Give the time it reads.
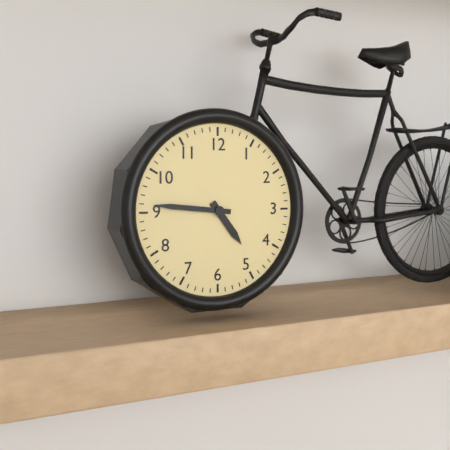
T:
4.46
